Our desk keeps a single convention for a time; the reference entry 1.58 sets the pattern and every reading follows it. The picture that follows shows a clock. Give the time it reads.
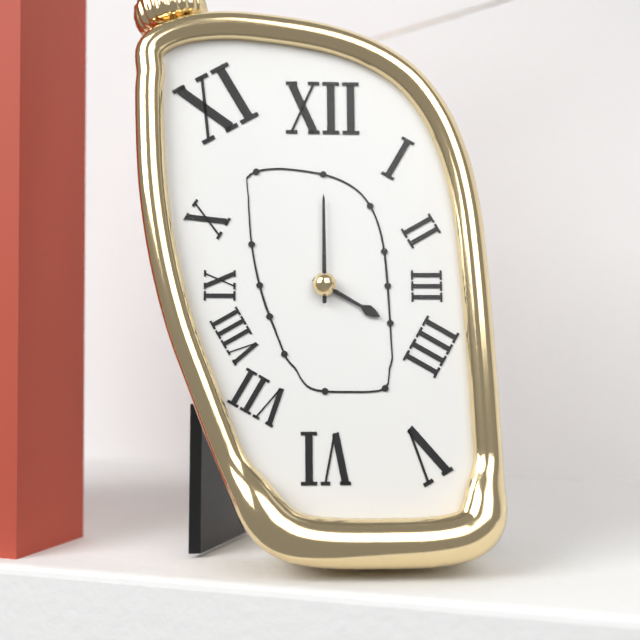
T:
4.00
